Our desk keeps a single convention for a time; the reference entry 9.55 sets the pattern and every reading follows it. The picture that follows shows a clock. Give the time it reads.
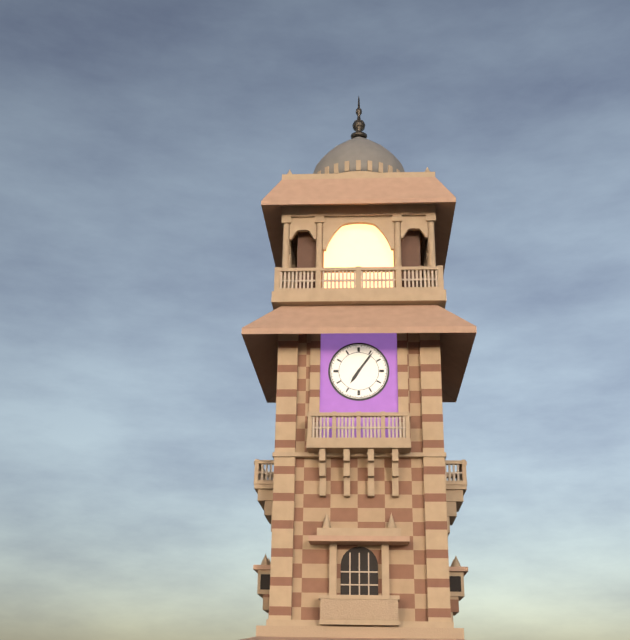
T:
7.06
